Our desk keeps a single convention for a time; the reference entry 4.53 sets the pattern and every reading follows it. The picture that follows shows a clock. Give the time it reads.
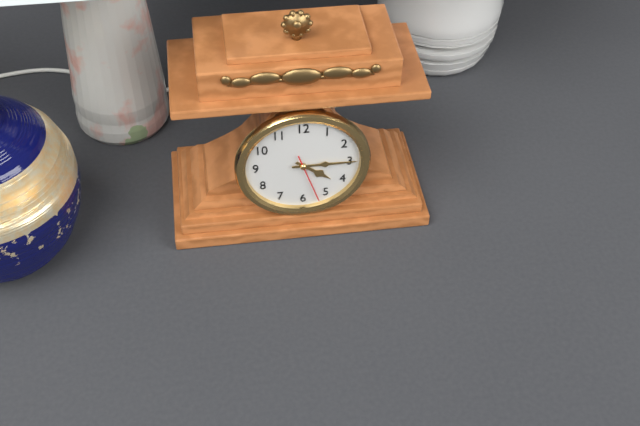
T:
4.15
